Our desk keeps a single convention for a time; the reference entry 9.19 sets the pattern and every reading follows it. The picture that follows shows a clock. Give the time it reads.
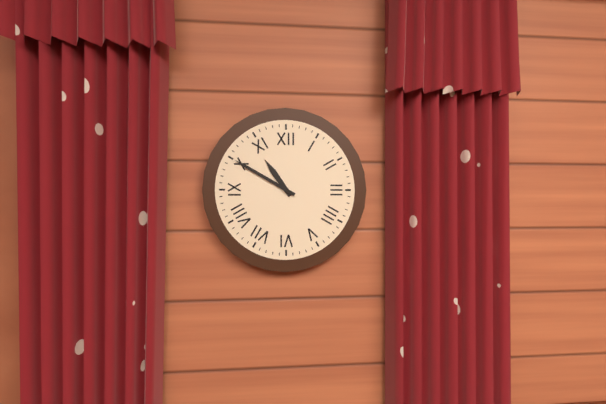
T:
10.50
